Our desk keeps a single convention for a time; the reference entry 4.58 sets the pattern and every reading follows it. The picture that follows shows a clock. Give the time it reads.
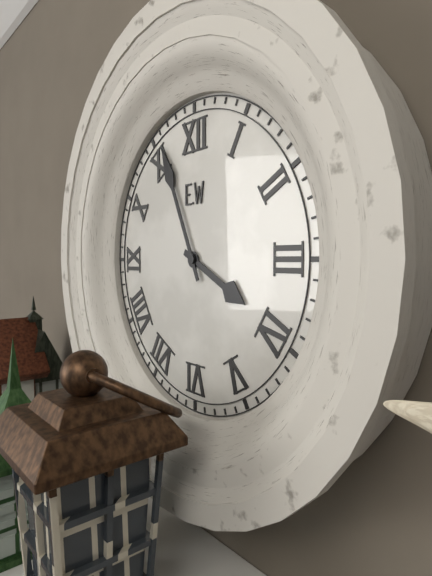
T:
3.56
